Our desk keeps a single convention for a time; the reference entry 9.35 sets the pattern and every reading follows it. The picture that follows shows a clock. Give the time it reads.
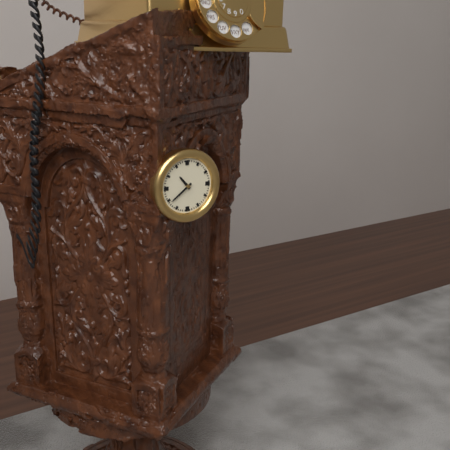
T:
10.39
